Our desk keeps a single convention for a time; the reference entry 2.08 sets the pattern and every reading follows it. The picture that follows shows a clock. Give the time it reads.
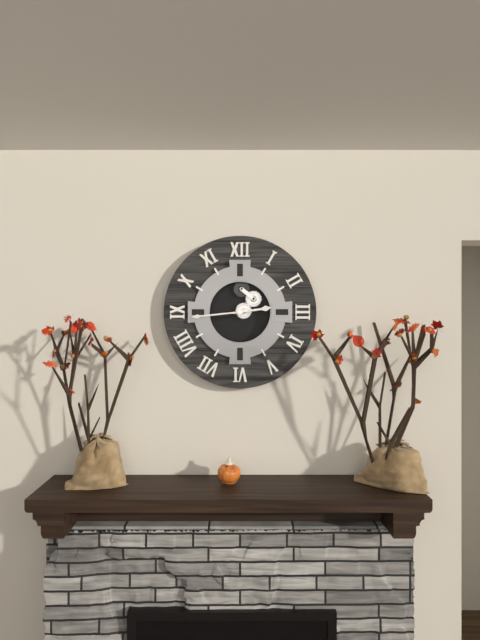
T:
2.44
